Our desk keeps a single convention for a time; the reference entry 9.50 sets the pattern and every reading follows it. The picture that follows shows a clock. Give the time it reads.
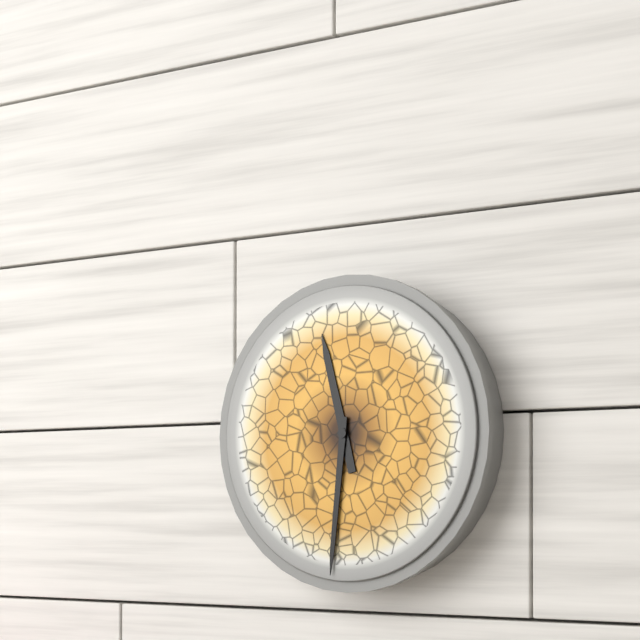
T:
11.31
